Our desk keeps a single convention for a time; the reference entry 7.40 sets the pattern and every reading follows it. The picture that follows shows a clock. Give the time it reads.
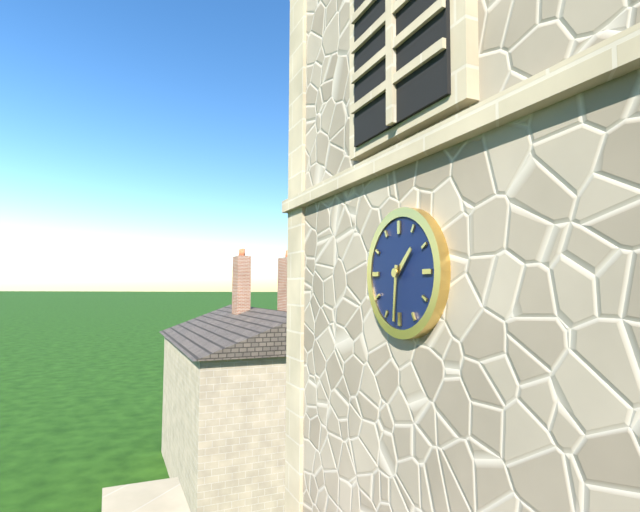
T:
1.31
